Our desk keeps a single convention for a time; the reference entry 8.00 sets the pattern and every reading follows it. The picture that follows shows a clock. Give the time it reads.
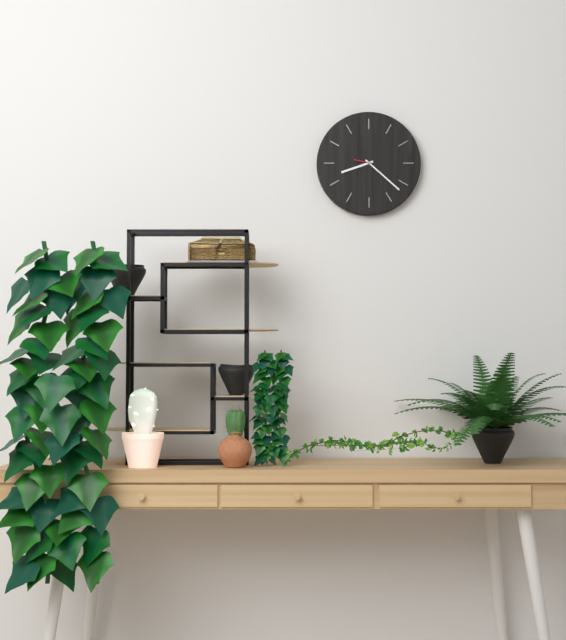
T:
8.22
